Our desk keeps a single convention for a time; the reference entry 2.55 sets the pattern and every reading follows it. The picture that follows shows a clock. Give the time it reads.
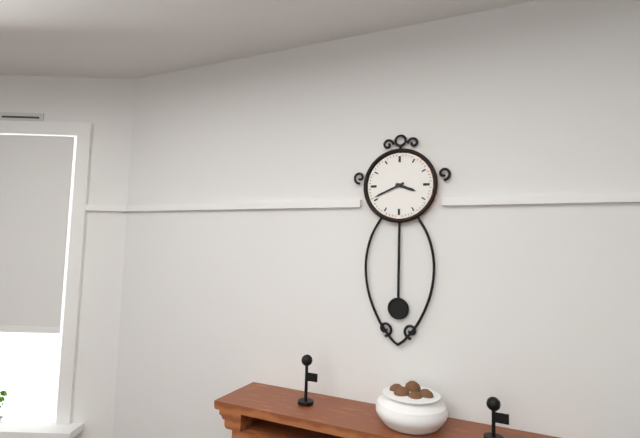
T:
3.41
